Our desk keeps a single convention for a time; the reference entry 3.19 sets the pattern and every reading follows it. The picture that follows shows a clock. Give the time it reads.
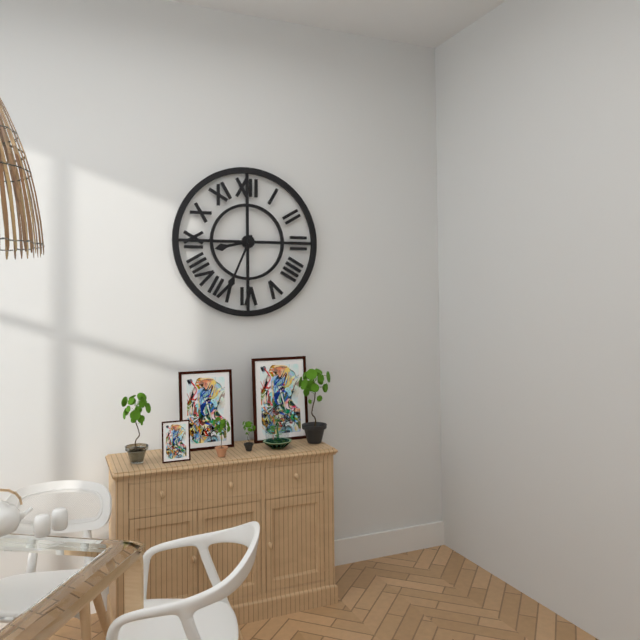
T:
8.34
